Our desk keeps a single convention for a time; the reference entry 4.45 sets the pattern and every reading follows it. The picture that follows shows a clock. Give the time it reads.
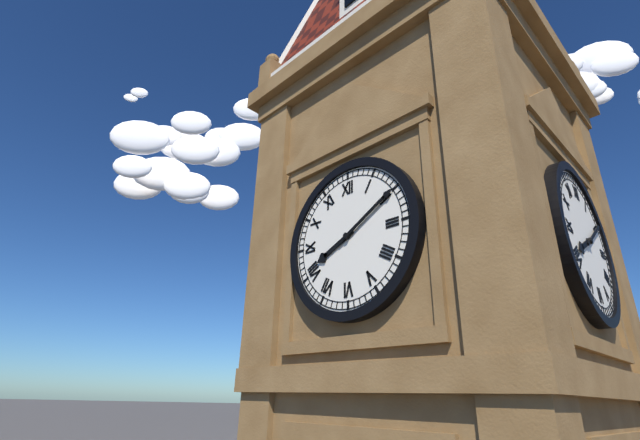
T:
8.10
